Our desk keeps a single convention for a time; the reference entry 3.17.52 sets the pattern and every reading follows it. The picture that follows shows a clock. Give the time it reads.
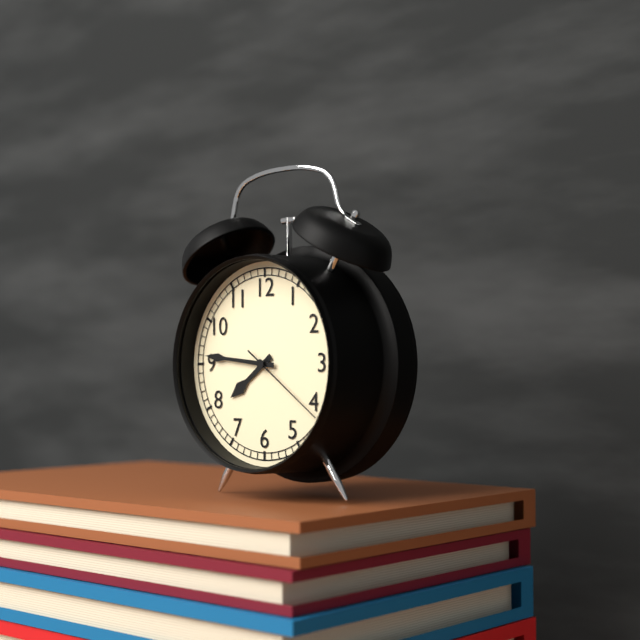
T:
7.46.21
